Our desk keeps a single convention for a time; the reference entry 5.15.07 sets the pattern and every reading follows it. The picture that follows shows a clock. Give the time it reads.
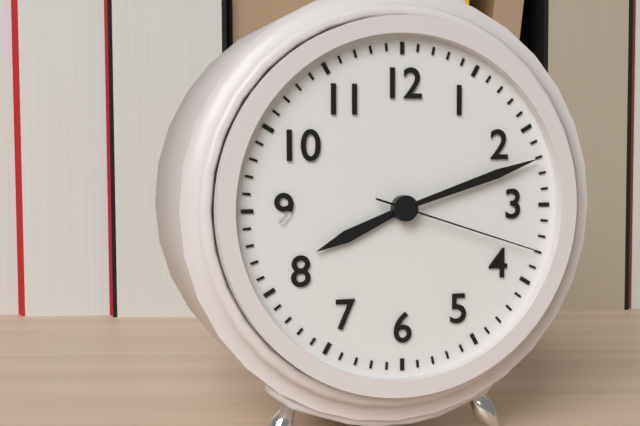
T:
8.12.18
